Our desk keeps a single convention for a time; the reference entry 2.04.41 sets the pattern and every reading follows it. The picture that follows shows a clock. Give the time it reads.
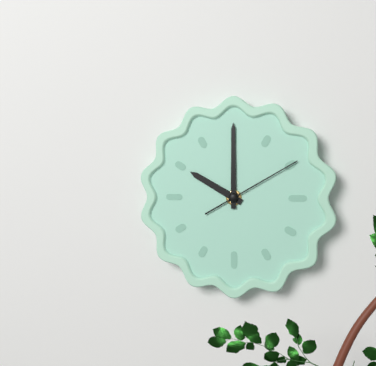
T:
10.00.10
